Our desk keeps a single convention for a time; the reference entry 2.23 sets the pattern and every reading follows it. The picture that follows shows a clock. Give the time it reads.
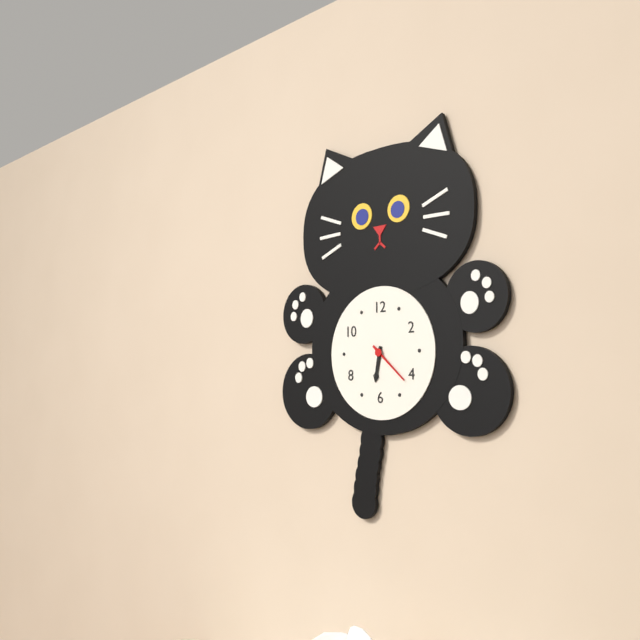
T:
6.22
